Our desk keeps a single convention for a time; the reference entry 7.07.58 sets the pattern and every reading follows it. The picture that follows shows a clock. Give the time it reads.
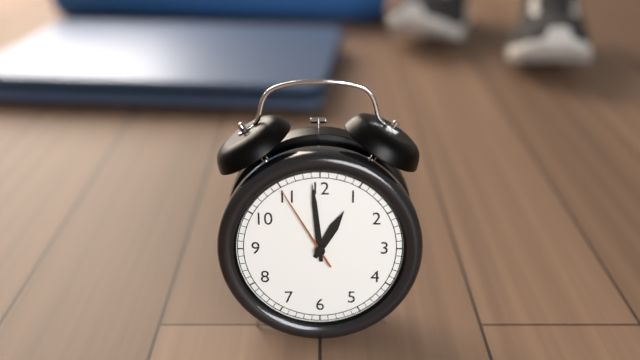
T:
12.59.55
